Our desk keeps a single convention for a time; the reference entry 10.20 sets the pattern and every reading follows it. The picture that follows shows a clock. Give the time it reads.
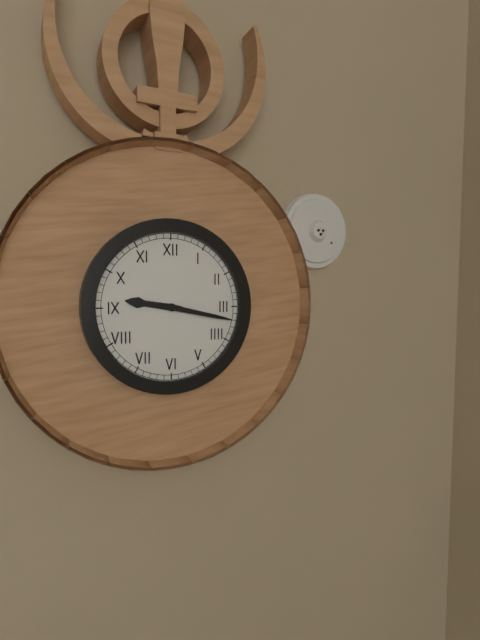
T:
9.17
